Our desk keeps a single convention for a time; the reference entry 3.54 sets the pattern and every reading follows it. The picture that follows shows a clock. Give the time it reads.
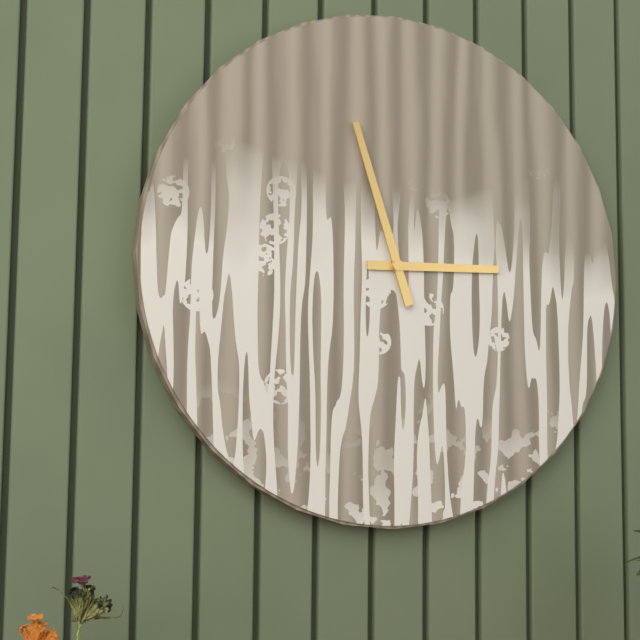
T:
2.57
